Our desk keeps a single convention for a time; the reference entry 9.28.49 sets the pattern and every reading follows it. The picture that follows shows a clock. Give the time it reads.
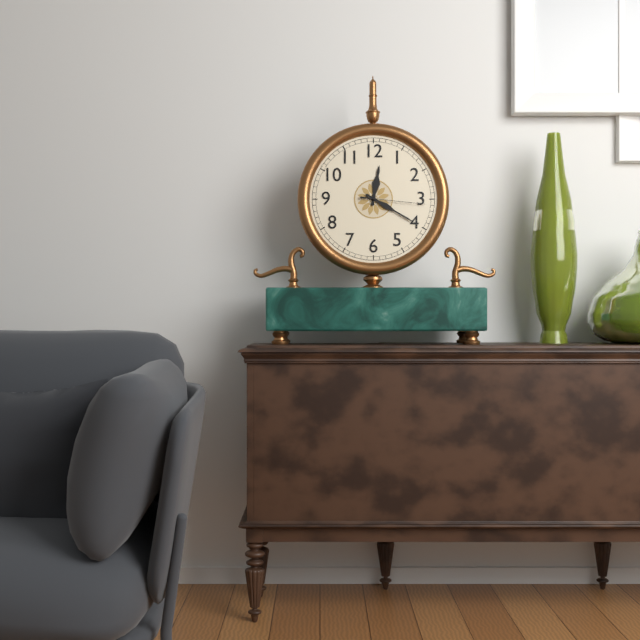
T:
12.20.16
